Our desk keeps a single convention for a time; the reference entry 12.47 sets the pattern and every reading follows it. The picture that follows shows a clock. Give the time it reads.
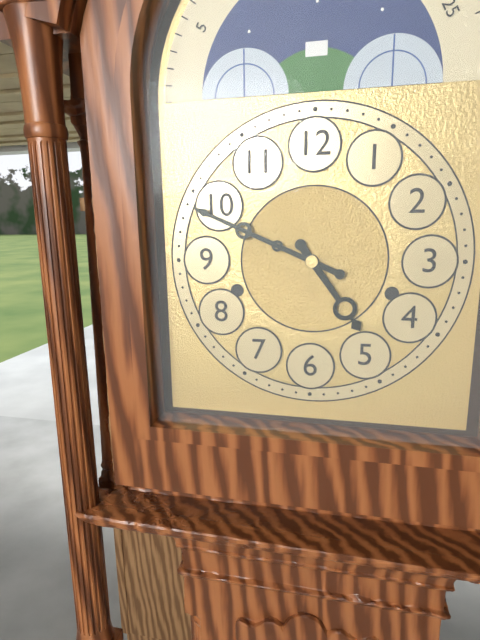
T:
4.49
